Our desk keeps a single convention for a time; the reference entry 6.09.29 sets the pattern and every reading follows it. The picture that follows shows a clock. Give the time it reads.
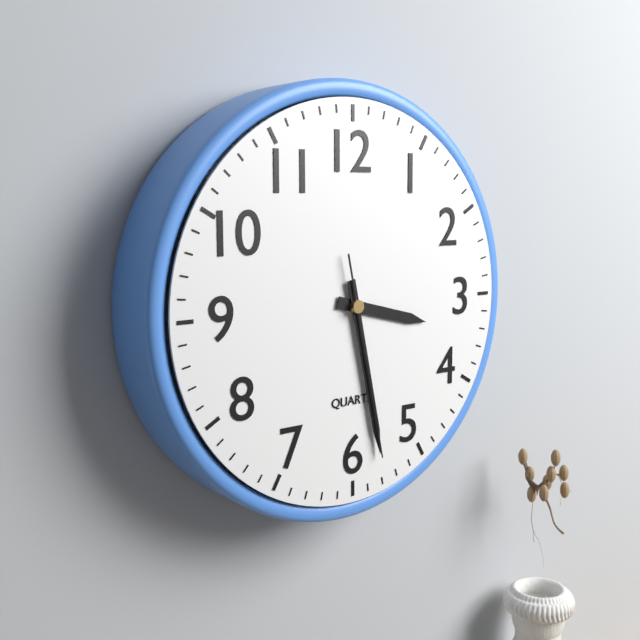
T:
3.28.28
